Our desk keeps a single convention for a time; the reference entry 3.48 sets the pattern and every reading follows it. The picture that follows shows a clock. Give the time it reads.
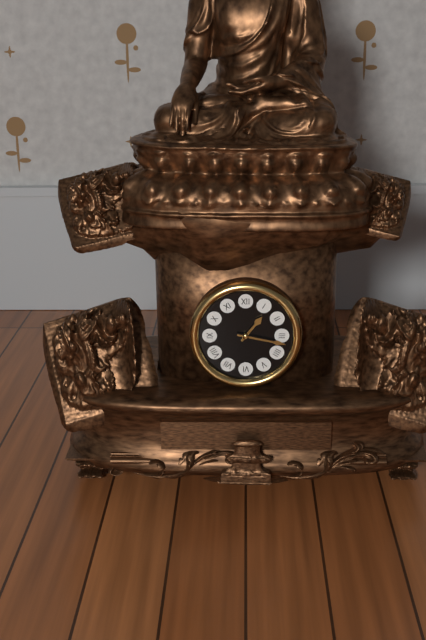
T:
1.17
